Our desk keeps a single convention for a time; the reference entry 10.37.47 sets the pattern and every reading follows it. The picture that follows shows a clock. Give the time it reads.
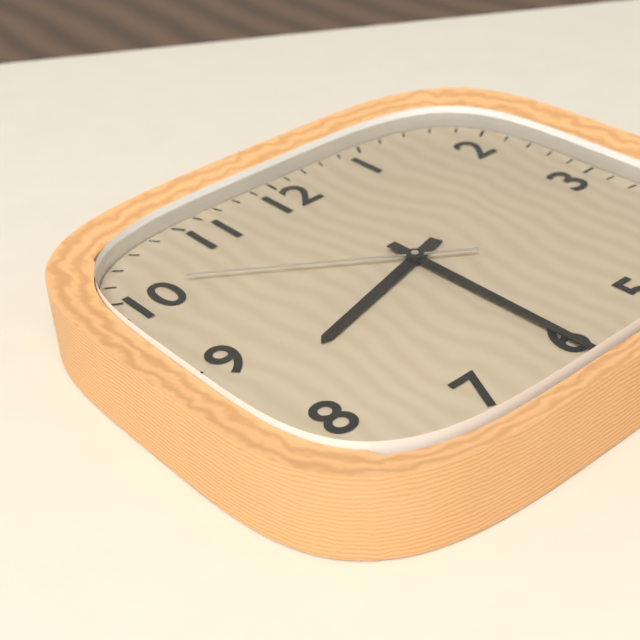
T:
8.30.51
